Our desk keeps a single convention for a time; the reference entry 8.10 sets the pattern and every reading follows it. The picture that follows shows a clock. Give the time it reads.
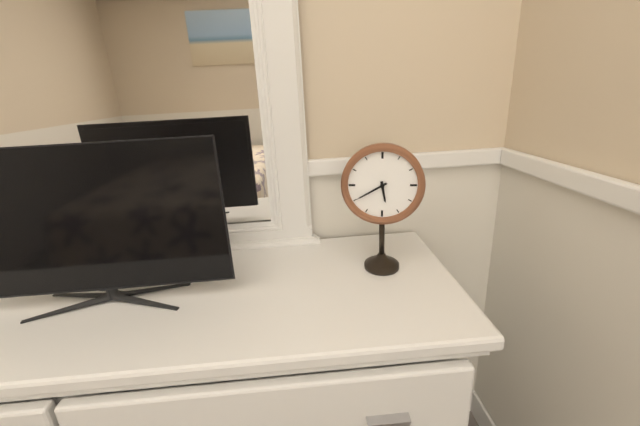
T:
5.40
